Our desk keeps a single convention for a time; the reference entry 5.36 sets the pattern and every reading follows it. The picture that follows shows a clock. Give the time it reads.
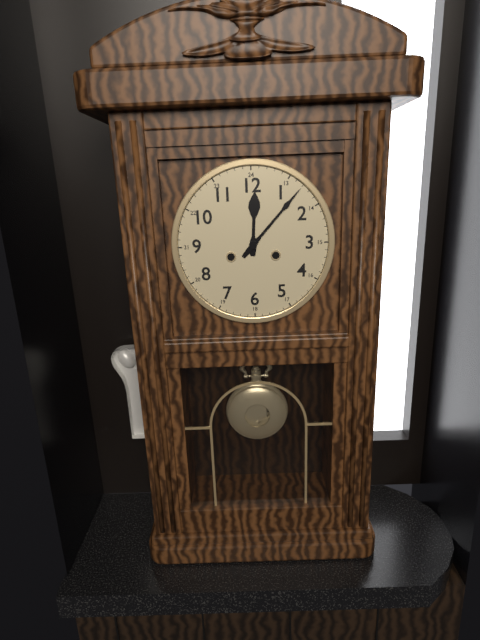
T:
12.07
